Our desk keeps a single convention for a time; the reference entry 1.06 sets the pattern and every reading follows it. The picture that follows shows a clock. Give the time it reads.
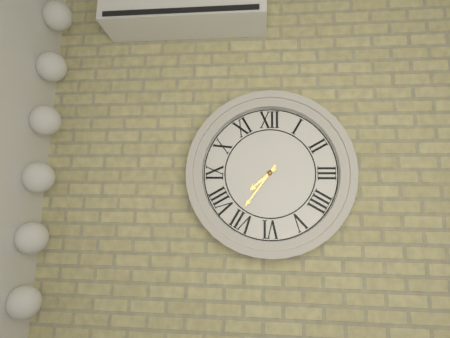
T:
7.36
